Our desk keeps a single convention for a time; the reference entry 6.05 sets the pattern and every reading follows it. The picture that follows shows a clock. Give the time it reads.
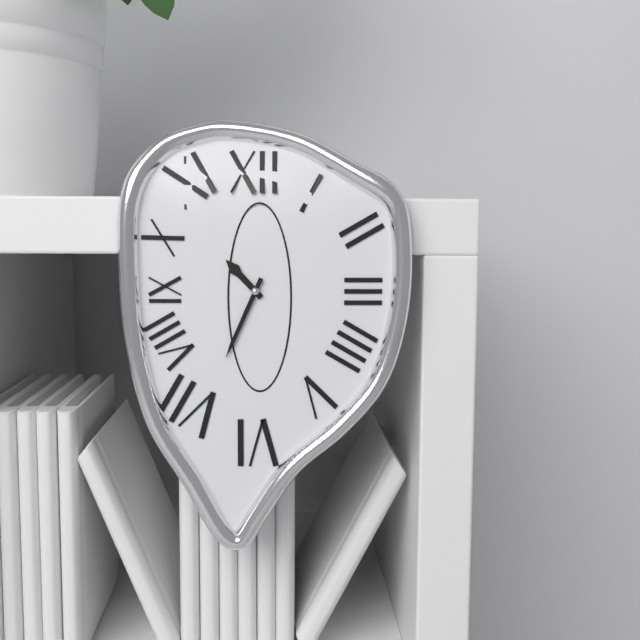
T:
10.34
